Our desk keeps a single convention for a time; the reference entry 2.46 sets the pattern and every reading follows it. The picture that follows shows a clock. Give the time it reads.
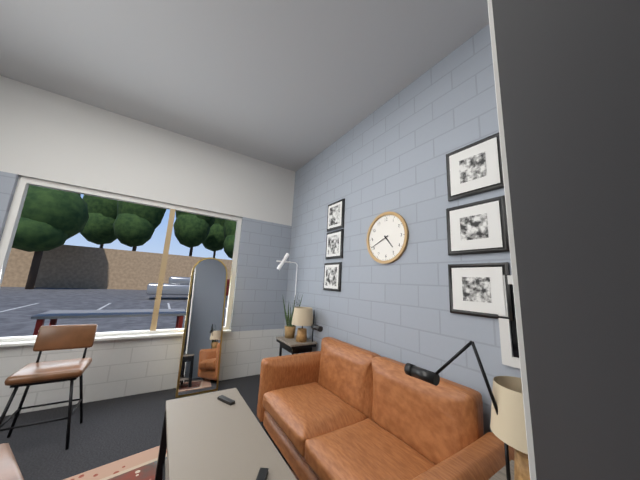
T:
4.41
